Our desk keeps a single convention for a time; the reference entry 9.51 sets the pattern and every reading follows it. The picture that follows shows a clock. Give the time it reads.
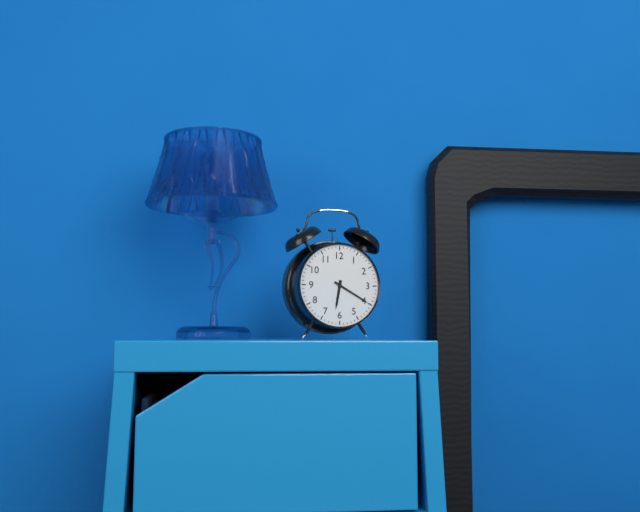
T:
6.20
